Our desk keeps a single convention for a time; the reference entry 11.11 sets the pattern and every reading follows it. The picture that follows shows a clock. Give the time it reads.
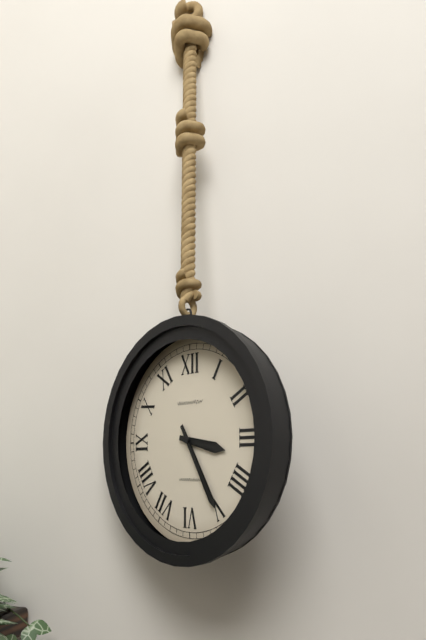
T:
3.25
